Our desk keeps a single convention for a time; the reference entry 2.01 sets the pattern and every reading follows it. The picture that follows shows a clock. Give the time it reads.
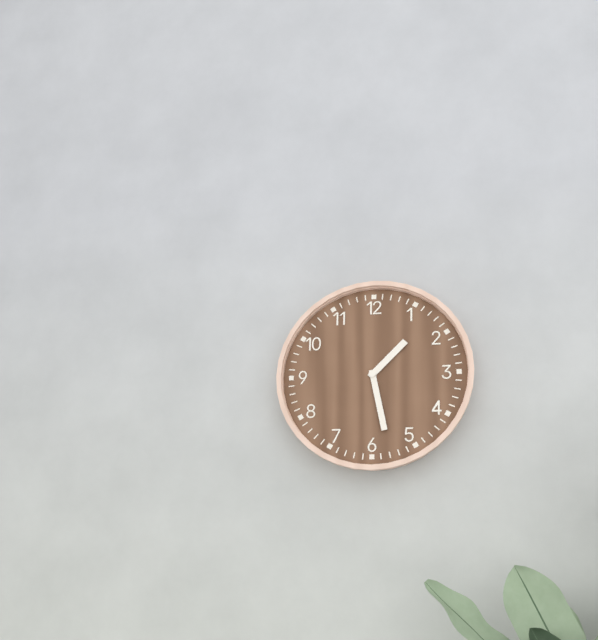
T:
1.28
